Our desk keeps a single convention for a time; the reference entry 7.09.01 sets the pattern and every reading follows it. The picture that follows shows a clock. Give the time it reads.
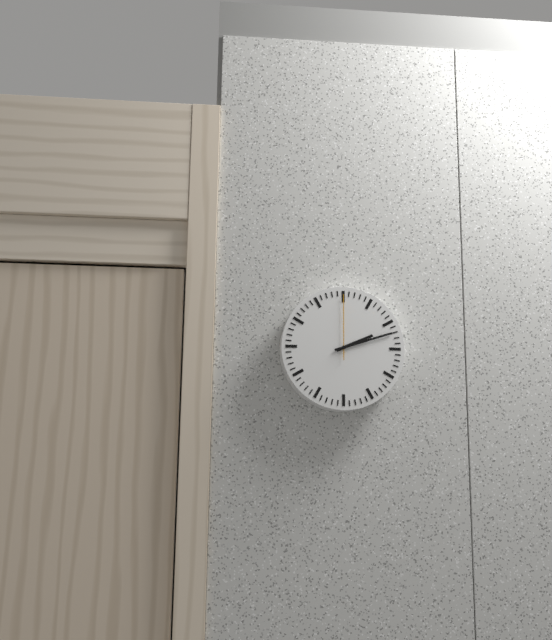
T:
2.12.00
